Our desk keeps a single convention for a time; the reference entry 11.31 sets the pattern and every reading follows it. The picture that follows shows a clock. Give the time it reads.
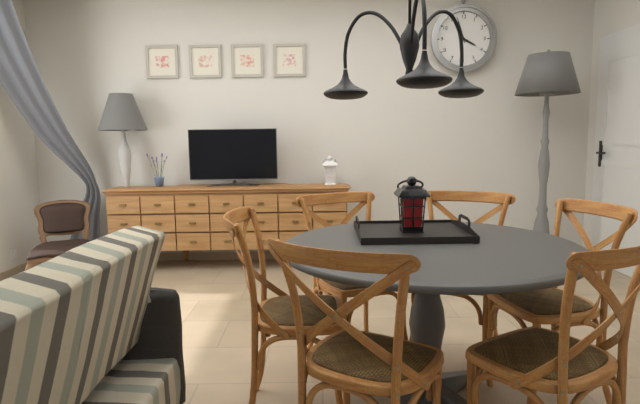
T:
3.57
